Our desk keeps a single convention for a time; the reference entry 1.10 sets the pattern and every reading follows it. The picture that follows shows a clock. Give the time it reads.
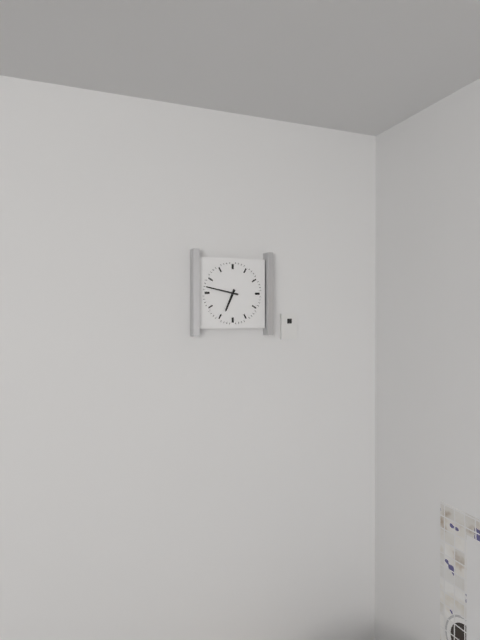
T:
6.47
